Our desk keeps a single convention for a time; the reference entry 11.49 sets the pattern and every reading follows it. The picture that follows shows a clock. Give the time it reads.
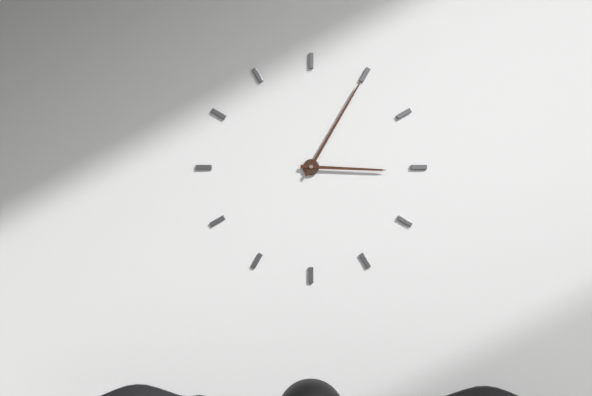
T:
3.05
